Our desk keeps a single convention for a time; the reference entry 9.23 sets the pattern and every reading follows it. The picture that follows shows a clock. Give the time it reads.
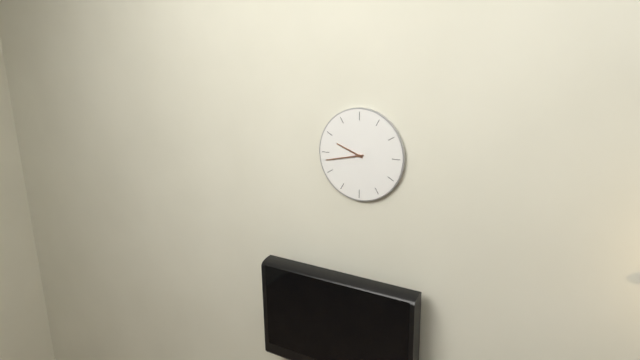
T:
9.43
